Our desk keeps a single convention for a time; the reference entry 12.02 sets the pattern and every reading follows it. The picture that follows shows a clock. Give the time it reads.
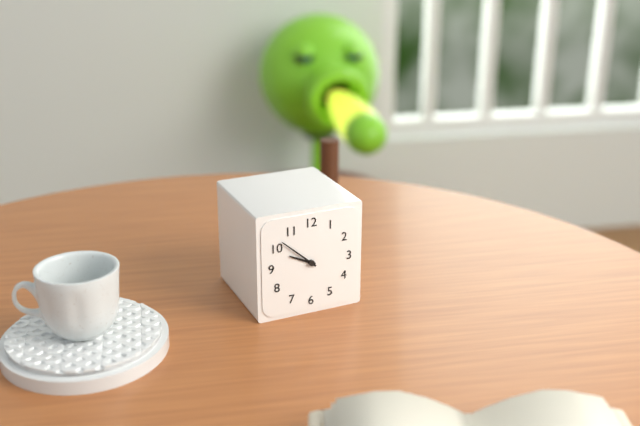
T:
9.52
